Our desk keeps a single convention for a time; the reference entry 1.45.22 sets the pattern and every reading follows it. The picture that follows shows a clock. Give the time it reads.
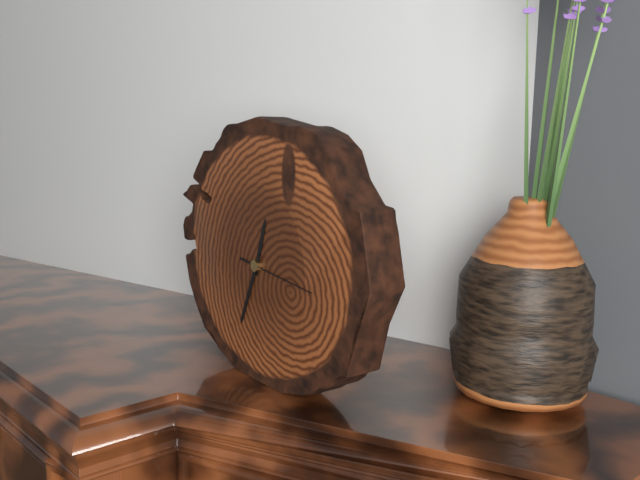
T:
12.34.16
